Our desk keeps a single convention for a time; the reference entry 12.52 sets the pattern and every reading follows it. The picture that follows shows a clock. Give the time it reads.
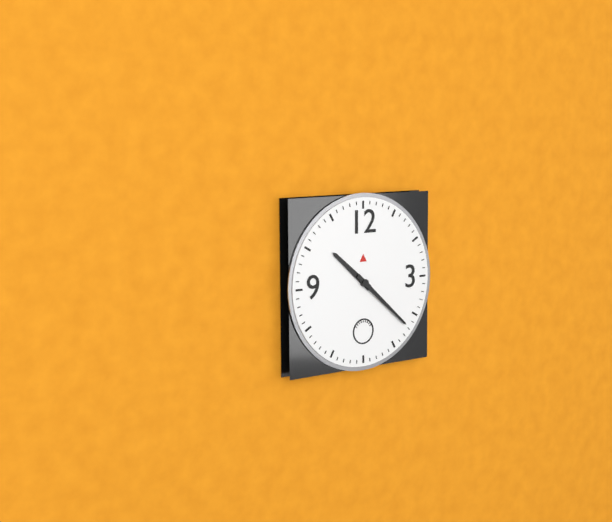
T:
10.22
